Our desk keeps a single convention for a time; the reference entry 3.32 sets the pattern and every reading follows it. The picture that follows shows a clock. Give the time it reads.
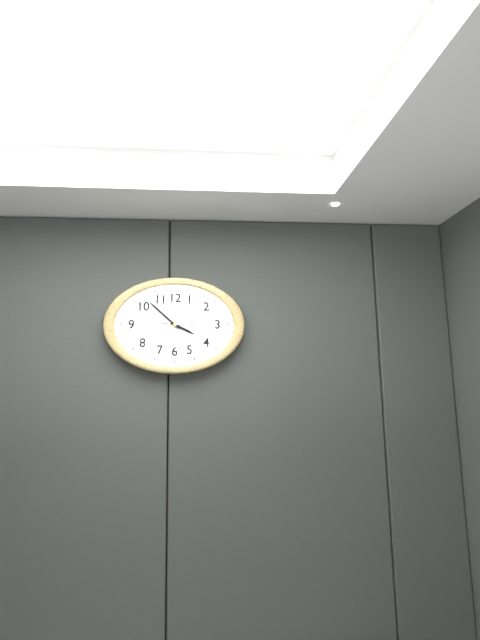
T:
3.52
